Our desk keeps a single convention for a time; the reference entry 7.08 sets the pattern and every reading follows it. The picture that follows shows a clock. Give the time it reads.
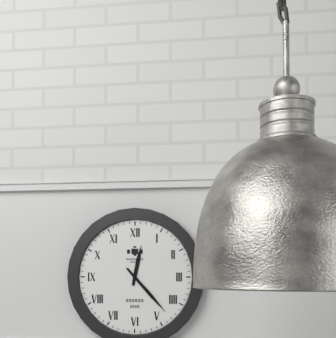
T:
12.23
